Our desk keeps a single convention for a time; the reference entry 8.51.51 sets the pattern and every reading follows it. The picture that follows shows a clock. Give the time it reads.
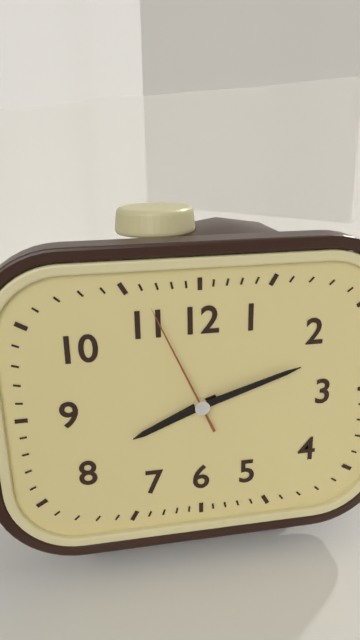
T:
8.12.56
